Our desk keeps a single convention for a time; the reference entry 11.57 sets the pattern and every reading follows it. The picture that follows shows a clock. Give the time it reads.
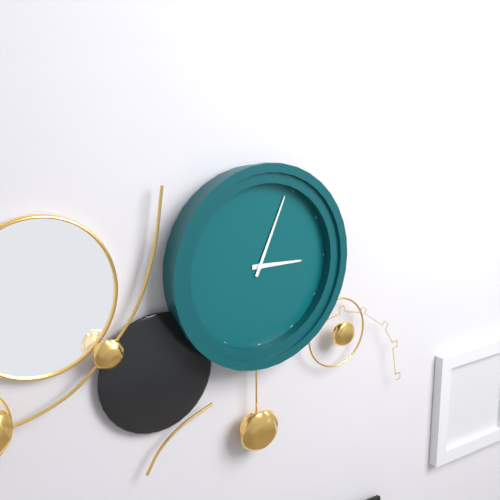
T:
3.04
